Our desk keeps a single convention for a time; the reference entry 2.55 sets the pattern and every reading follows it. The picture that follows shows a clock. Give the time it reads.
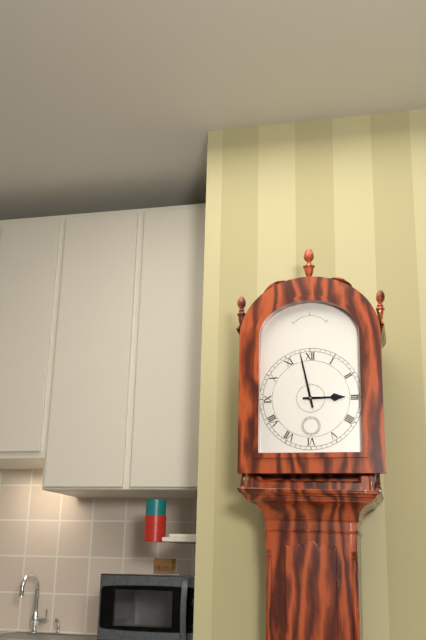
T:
2.58
